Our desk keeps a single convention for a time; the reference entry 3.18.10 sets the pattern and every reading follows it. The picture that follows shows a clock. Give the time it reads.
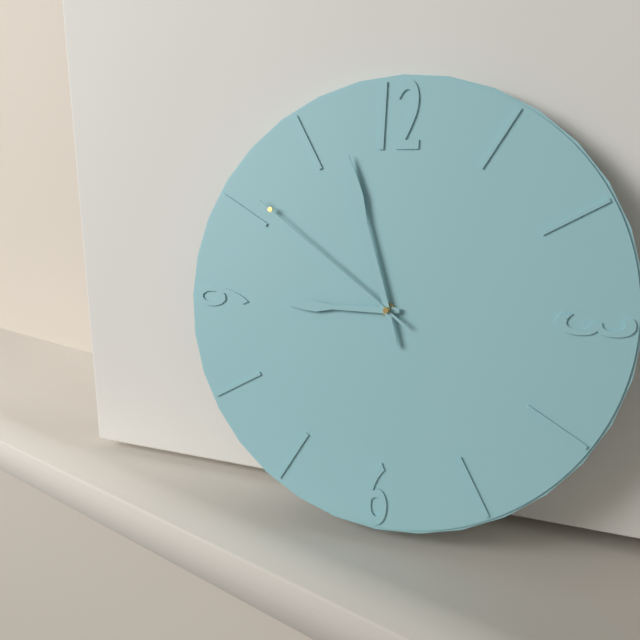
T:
8.57.51
